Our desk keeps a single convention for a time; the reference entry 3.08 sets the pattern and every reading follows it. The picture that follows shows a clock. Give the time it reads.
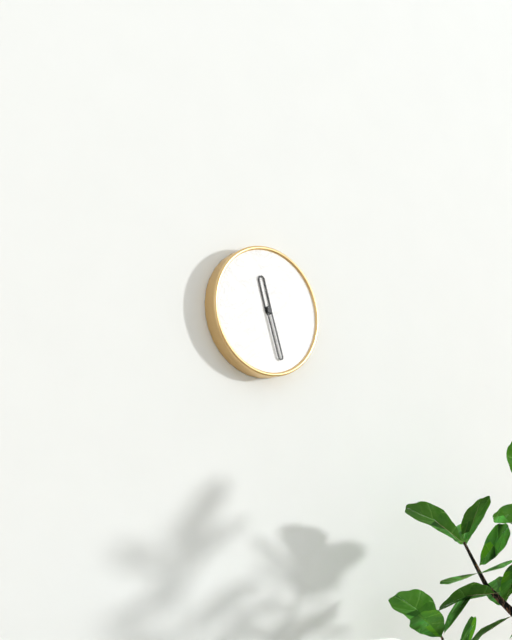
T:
11.27
